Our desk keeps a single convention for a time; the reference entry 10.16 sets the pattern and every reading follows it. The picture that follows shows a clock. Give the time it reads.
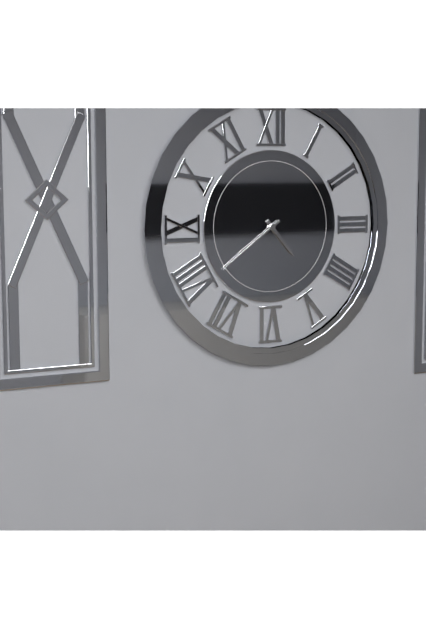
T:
4.39
